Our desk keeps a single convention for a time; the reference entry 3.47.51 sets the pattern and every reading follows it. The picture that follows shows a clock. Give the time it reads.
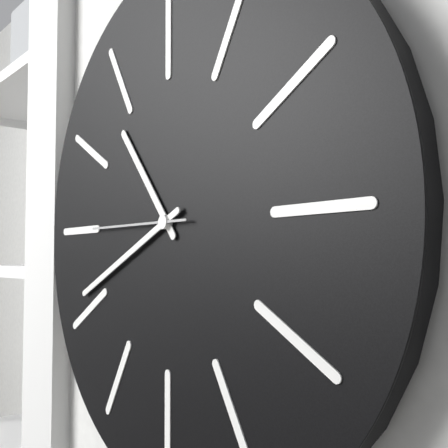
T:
10.41.45
